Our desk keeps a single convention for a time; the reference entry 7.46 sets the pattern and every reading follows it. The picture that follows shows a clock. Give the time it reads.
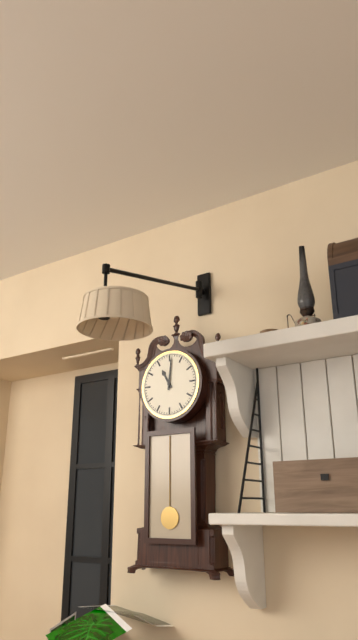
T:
11.01
